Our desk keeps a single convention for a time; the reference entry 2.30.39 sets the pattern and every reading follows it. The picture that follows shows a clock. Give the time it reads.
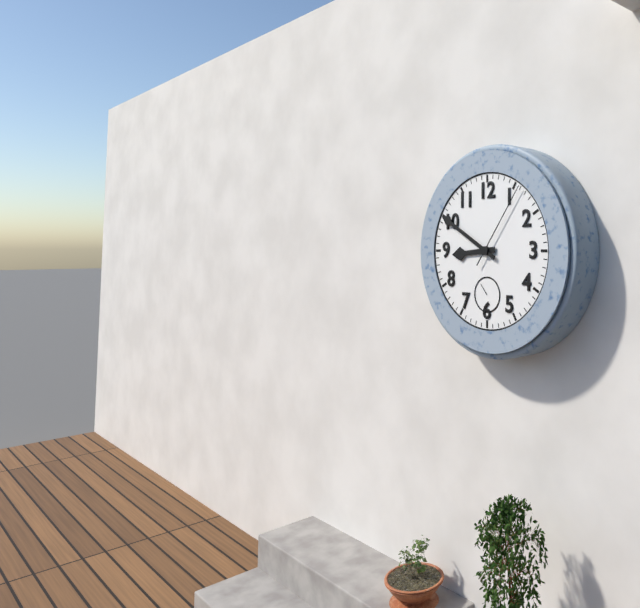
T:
8.50.06
